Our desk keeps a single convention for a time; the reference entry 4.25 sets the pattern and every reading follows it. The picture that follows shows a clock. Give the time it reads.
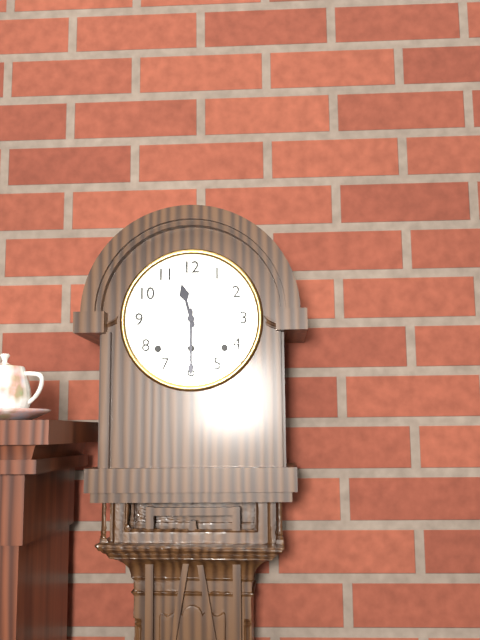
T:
11.30
